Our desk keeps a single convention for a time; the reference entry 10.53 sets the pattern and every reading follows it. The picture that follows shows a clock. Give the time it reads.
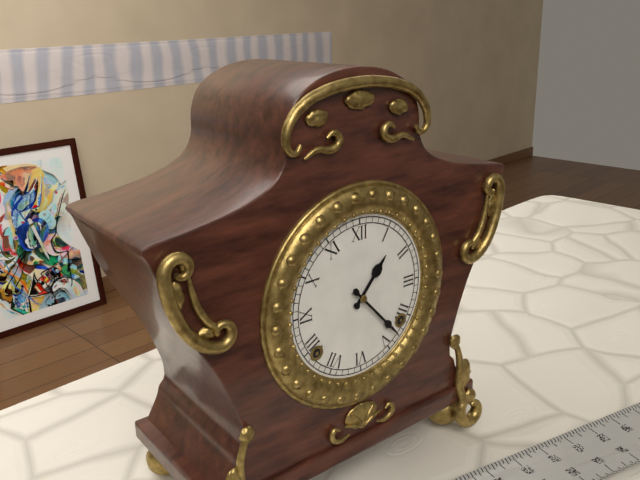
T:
1.23
